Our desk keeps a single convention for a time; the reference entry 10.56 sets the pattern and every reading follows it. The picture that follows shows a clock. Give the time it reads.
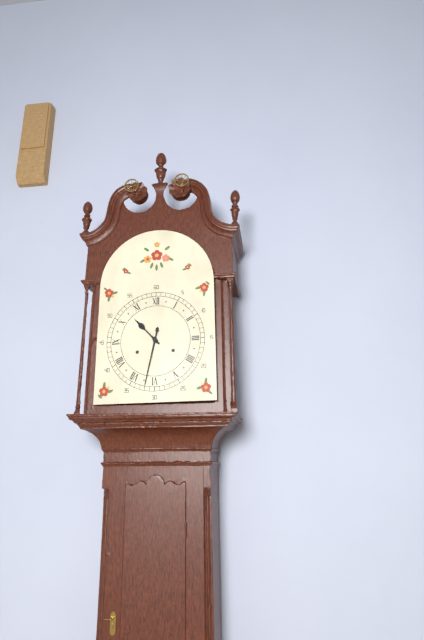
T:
10.32
